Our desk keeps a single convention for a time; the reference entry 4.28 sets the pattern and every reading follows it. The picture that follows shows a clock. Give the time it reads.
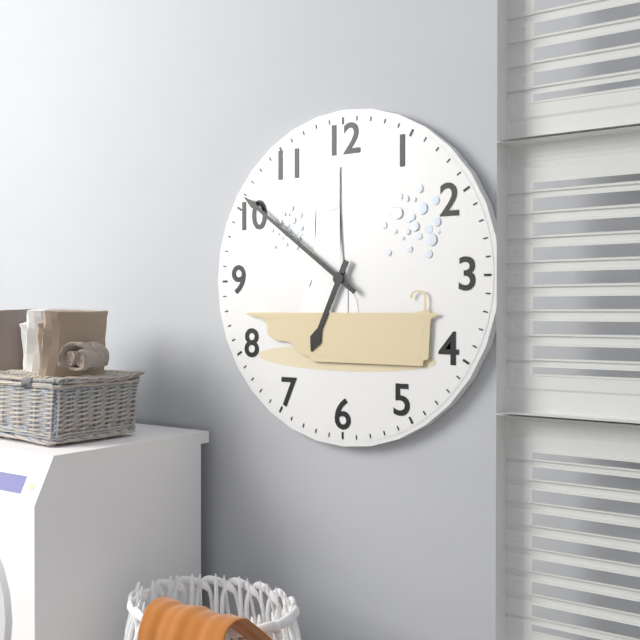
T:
6.51
